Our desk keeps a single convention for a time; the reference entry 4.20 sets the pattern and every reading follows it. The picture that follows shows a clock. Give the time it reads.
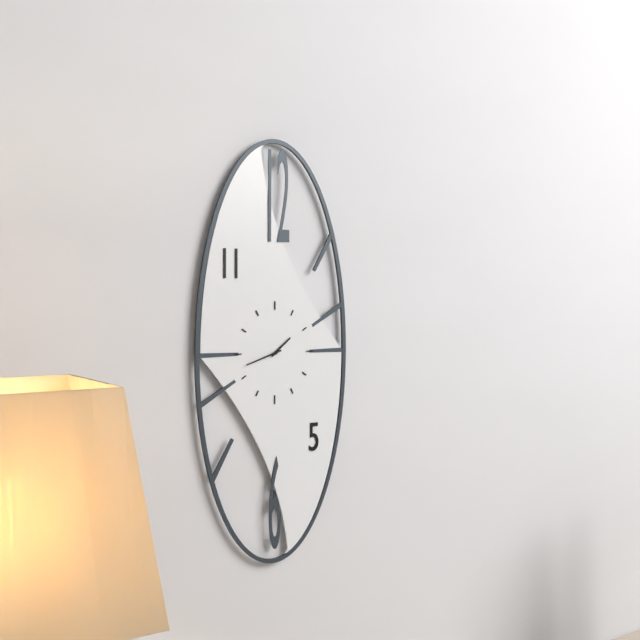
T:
1.42
